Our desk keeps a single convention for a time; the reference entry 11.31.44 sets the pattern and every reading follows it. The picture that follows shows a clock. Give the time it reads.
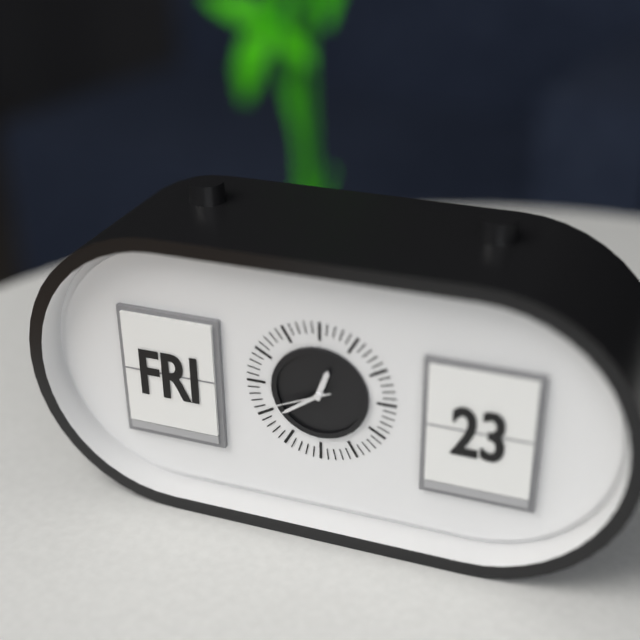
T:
12.39.41
